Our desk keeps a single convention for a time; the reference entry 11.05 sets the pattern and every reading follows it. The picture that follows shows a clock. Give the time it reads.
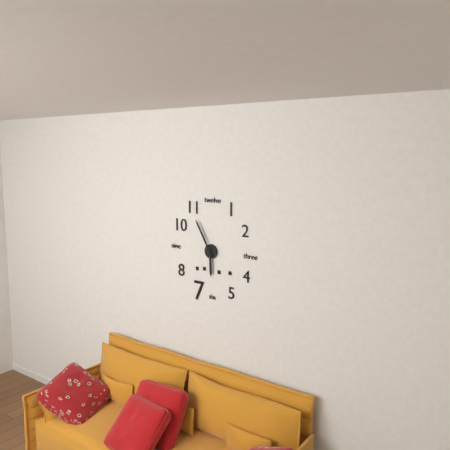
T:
5.55
